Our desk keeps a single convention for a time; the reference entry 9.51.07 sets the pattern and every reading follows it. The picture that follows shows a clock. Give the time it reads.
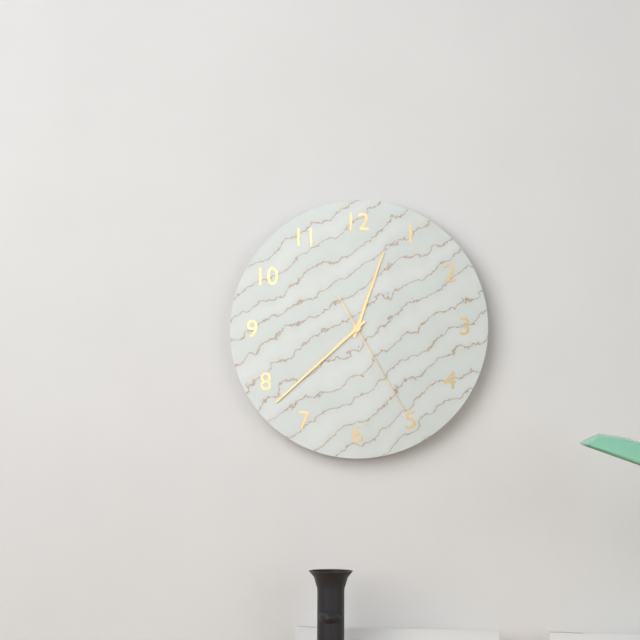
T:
12.38.25
